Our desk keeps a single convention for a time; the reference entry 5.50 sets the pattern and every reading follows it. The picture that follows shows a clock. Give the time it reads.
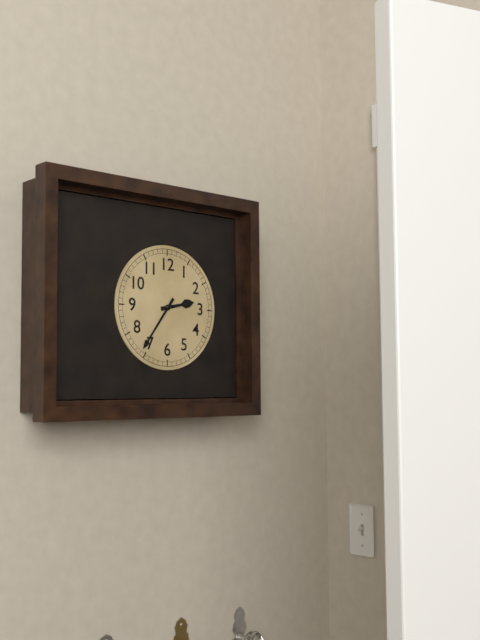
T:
2.36
